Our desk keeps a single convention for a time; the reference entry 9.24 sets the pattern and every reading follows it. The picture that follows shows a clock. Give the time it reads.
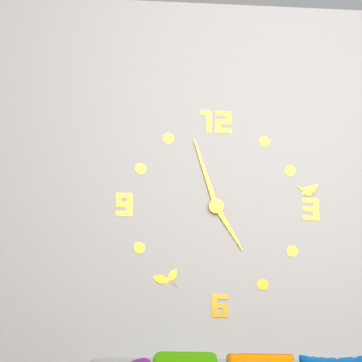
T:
4.57
